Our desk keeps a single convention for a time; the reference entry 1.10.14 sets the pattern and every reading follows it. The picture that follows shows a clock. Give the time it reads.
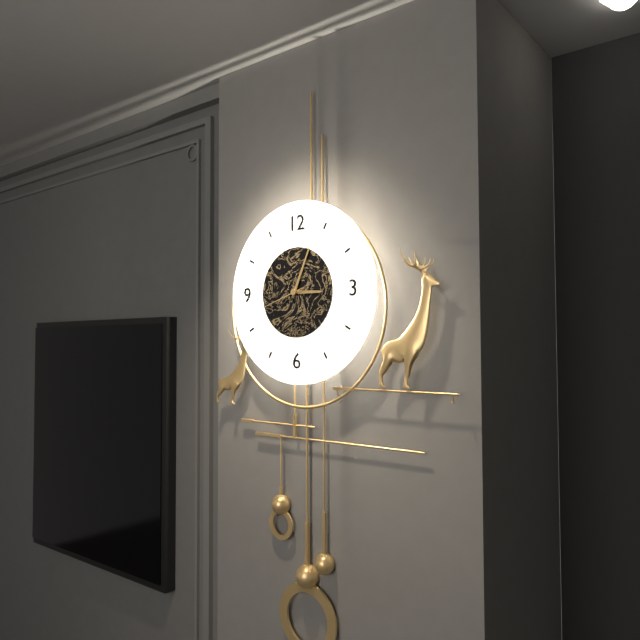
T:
3.04.42
